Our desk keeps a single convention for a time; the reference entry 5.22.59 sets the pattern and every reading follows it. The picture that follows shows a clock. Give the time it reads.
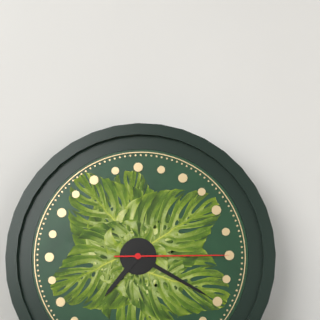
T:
7.20.15
